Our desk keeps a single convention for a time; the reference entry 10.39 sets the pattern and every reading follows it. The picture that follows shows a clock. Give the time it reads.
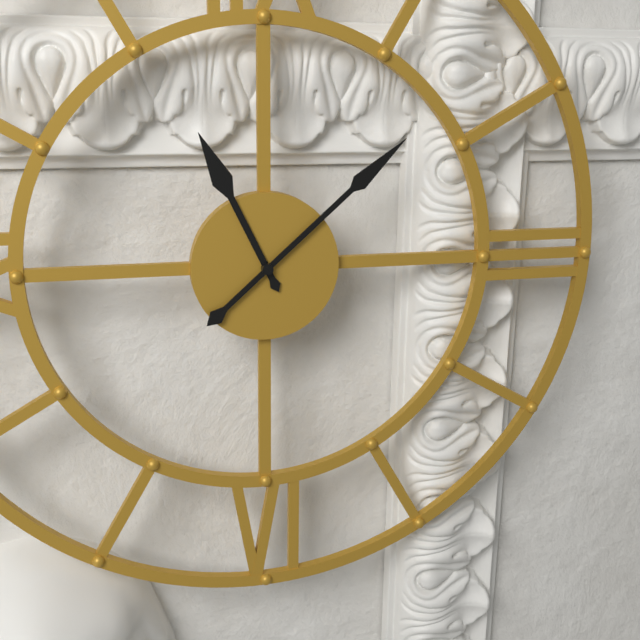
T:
11.08
